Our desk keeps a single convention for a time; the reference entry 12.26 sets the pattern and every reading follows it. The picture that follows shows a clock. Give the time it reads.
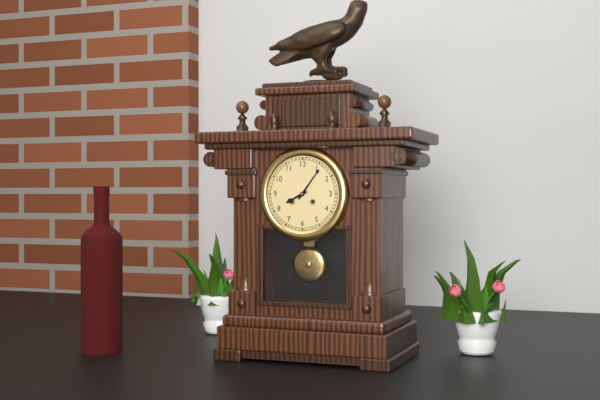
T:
8.06
